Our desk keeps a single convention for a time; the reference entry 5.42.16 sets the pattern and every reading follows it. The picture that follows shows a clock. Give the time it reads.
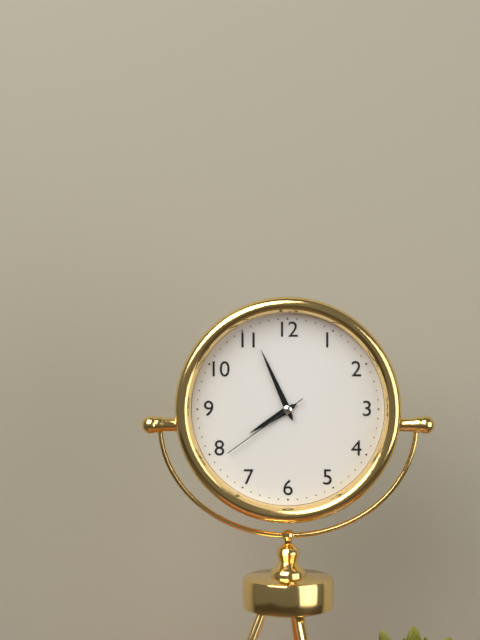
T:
7.56.39
